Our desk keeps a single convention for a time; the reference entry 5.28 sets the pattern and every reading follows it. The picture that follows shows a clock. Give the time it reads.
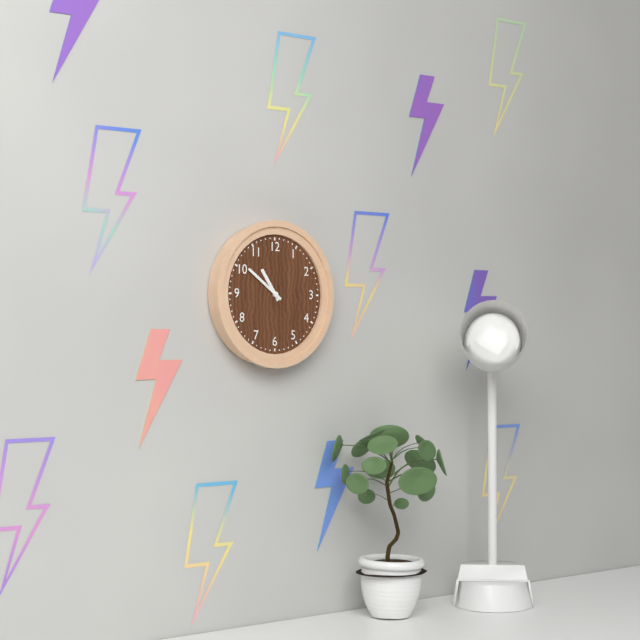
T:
10.51
